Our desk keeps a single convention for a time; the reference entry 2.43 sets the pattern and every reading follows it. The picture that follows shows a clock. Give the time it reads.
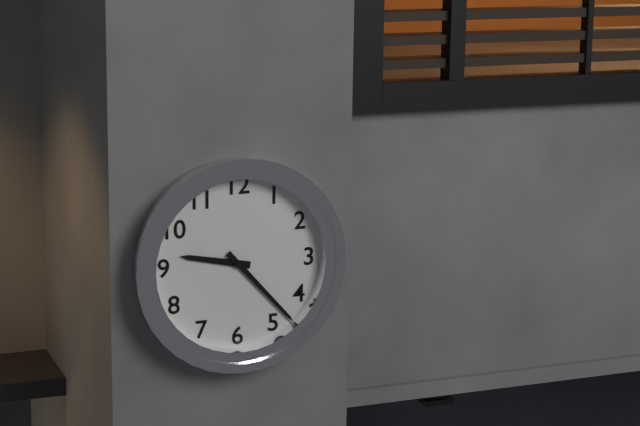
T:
9.23
